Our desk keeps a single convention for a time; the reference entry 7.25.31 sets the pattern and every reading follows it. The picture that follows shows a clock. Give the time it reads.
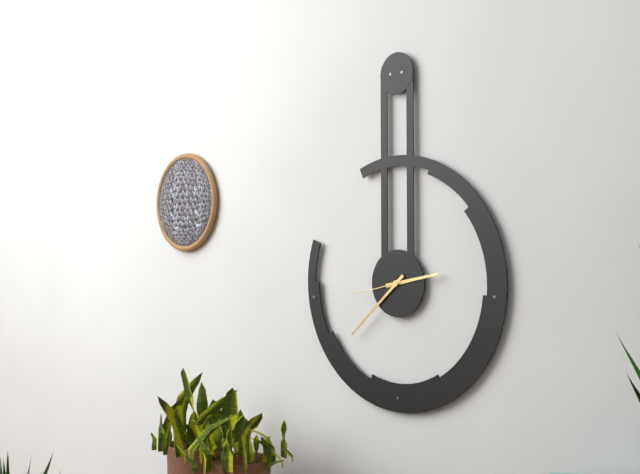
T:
2.38.43
